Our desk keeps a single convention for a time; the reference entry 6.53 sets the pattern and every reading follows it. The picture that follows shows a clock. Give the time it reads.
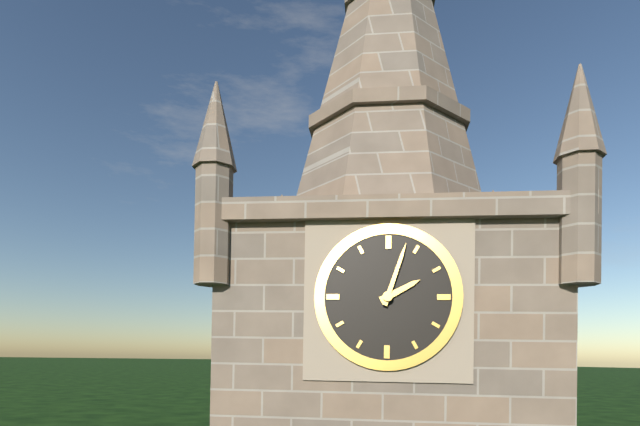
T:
2.03
